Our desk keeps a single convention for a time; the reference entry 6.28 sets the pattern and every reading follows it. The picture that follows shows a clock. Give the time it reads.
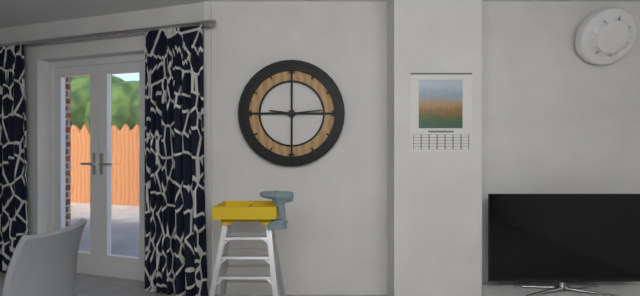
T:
9.14
